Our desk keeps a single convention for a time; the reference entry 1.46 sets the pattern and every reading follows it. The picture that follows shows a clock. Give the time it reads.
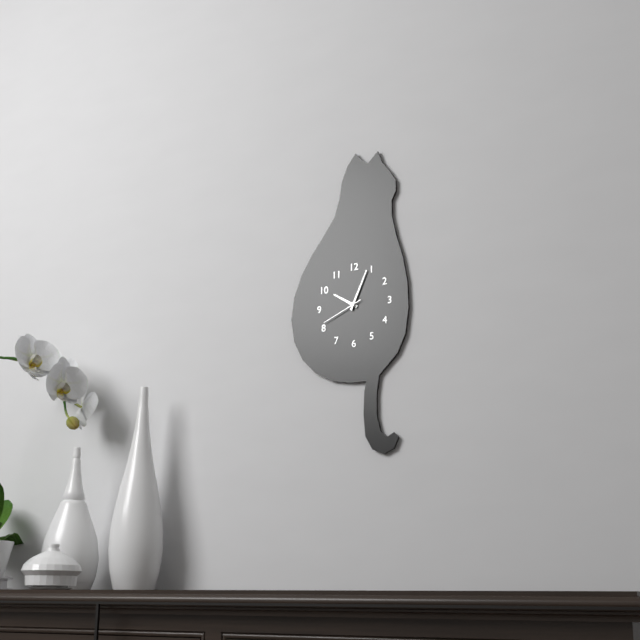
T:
10.04
